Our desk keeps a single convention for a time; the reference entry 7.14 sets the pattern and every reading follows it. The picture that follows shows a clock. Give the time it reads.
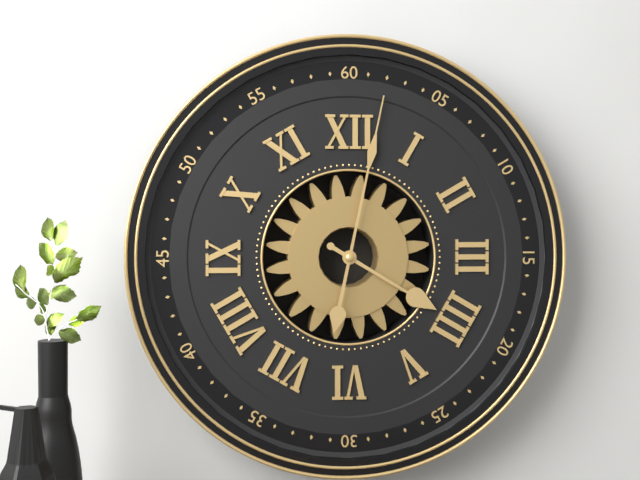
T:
4.02
